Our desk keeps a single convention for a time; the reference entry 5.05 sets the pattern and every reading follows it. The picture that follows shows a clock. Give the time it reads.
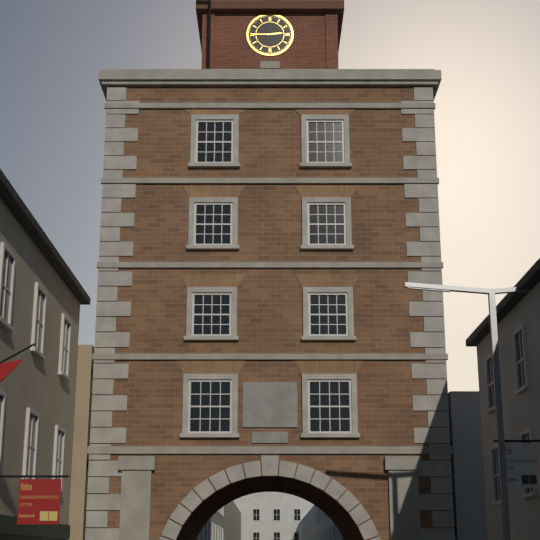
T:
2.45
